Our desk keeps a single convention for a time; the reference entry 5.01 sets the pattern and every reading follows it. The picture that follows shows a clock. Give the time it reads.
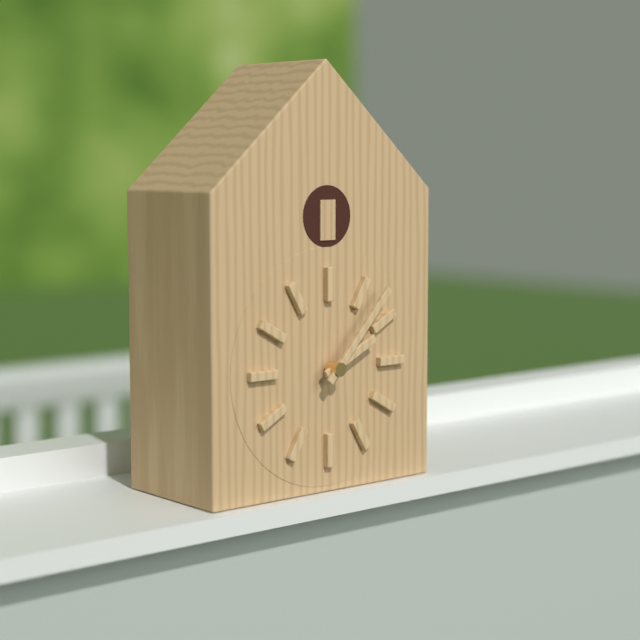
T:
2.07
